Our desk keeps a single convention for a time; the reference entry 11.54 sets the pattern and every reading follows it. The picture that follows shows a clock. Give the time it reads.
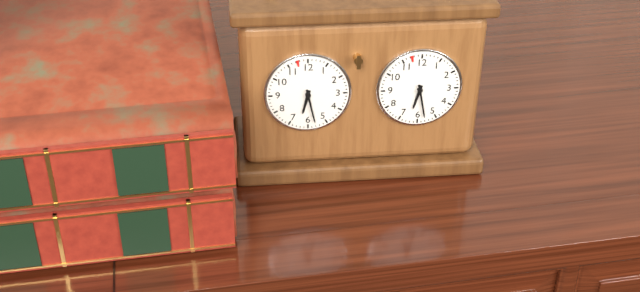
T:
6.28
